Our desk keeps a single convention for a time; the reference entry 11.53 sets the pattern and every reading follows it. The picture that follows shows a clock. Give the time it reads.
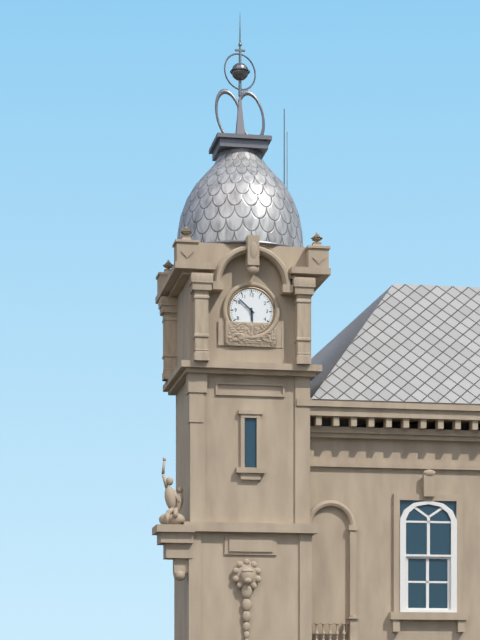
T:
5.52
